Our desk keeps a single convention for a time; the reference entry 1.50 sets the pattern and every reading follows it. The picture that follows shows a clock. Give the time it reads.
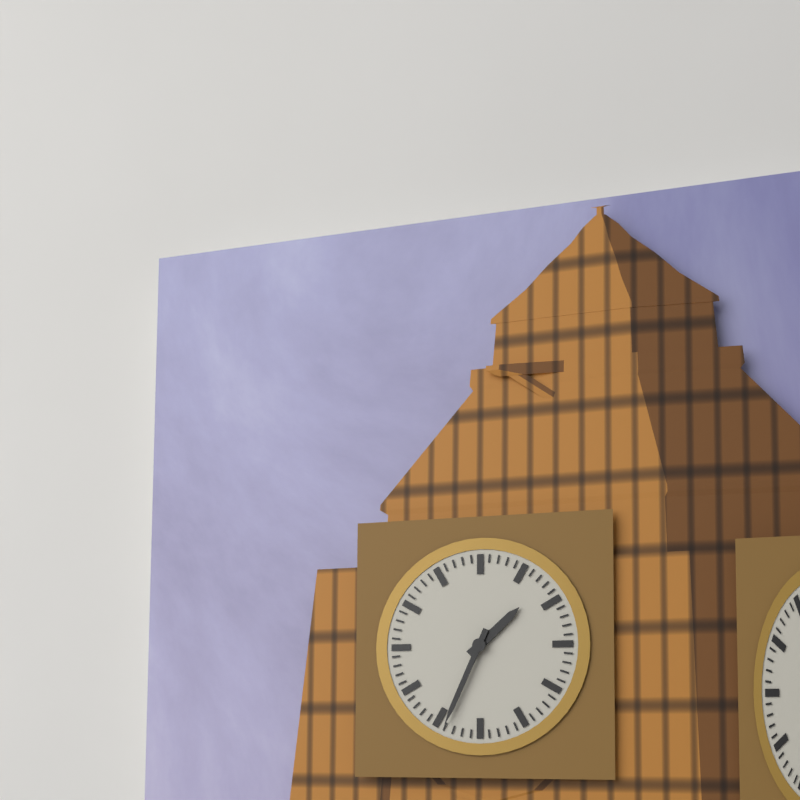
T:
1.34
